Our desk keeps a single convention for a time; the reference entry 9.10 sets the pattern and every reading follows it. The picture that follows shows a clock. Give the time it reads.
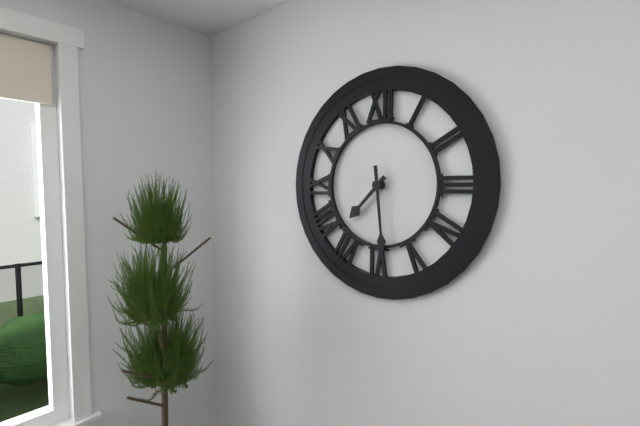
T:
7.29
